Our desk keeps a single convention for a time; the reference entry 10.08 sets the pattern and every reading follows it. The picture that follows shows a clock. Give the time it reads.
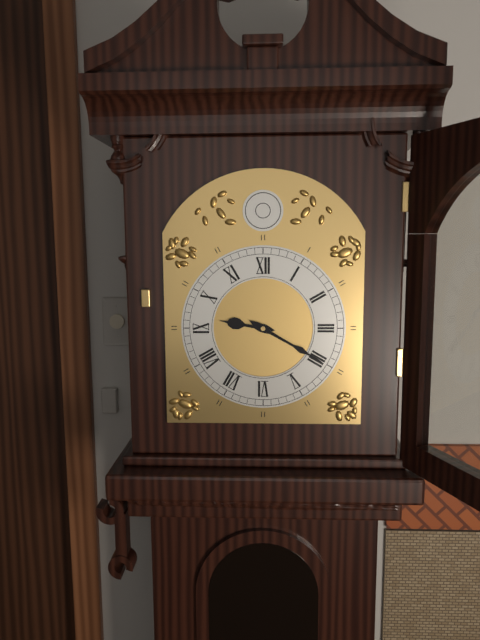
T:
9.20
